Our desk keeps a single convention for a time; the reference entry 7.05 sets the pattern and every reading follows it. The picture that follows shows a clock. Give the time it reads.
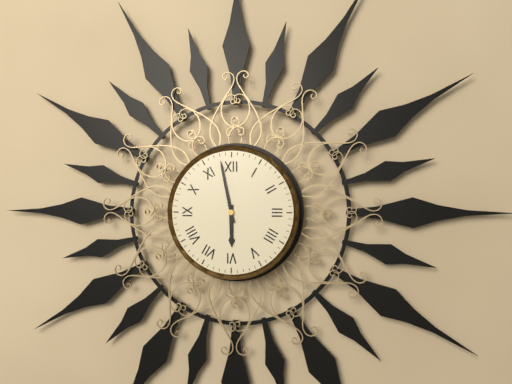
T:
5.58
